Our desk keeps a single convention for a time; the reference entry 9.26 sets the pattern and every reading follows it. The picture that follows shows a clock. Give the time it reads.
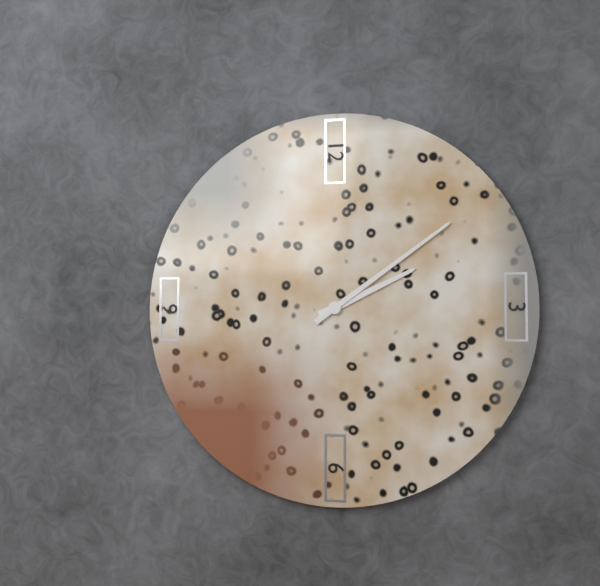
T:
2.09
